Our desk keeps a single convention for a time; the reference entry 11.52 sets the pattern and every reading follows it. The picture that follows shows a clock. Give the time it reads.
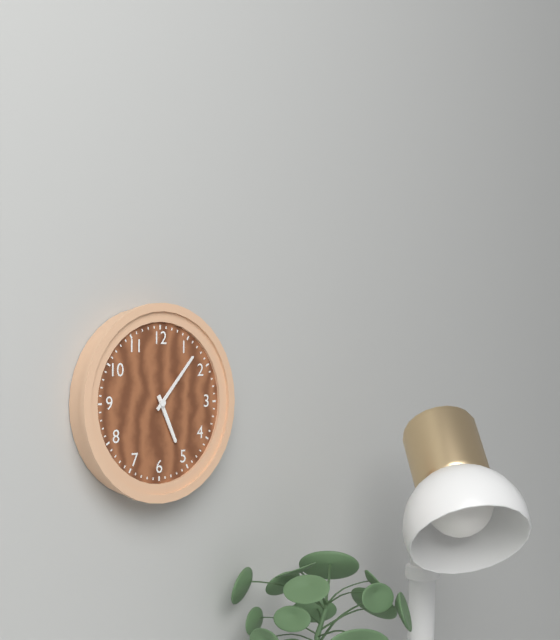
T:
5.07
